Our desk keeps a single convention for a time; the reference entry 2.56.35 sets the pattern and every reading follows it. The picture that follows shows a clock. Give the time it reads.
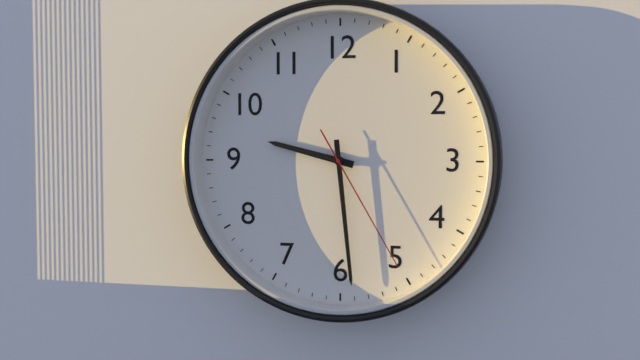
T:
9.29.25
